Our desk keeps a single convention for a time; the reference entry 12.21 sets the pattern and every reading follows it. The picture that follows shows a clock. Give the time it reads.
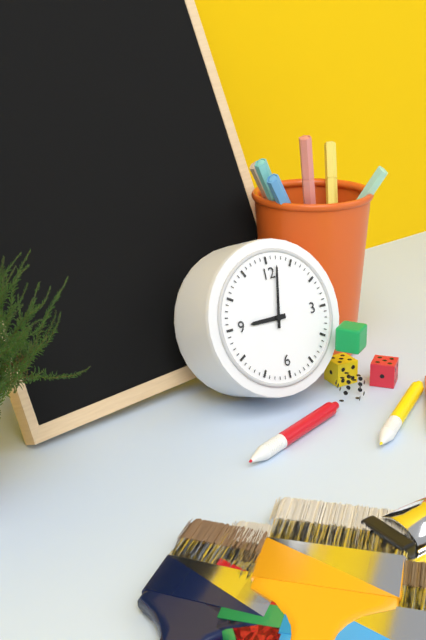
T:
9.02
